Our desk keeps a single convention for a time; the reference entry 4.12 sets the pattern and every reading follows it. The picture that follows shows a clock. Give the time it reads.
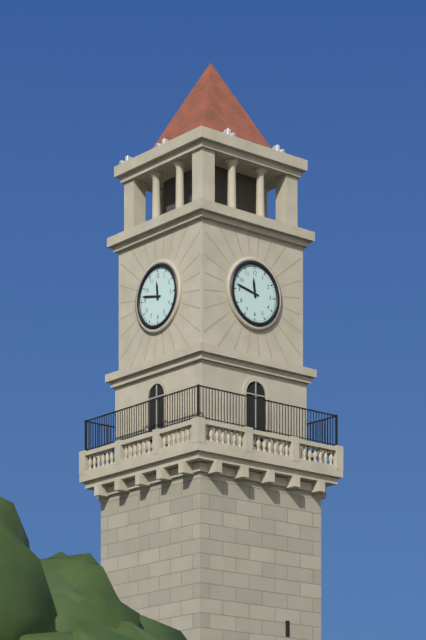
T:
11.47
